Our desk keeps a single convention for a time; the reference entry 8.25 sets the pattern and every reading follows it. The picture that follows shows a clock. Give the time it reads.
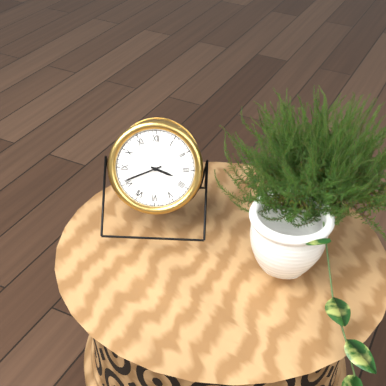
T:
3.41
